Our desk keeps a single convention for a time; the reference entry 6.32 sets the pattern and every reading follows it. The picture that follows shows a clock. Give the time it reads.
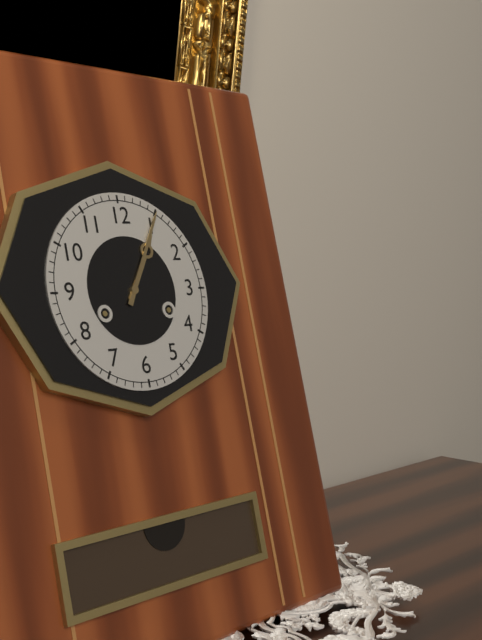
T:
1.05
